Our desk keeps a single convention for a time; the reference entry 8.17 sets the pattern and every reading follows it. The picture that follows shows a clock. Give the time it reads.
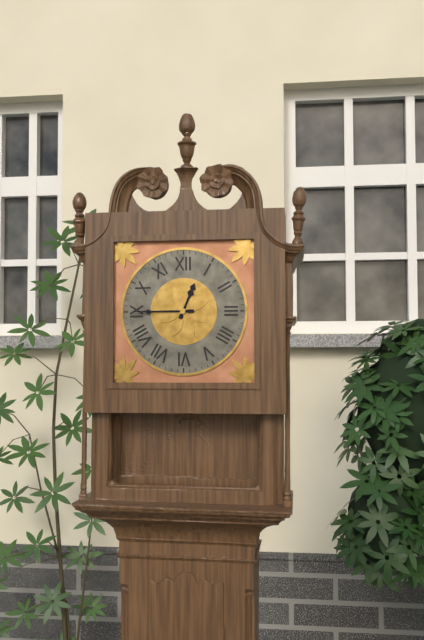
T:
12.45
